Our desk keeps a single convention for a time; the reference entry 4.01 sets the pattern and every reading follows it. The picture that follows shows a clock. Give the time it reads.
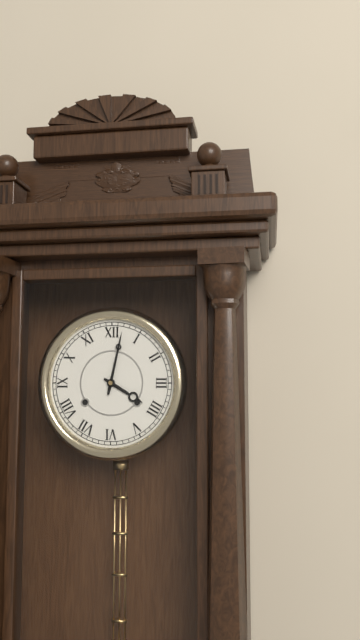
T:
4.02
